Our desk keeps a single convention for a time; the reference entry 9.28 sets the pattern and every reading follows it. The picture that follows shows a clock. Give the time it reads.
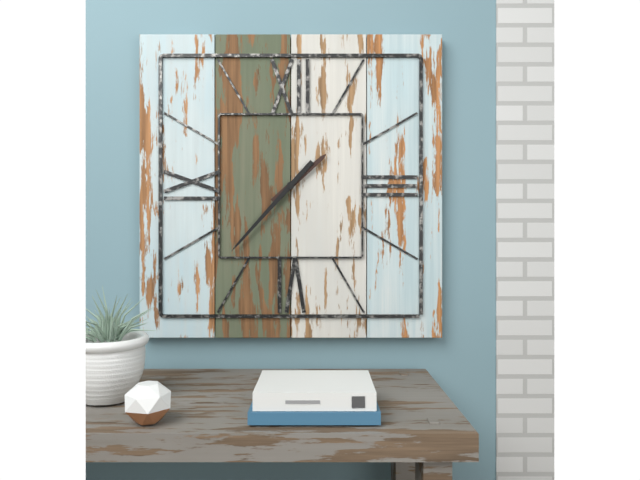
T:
1.37
